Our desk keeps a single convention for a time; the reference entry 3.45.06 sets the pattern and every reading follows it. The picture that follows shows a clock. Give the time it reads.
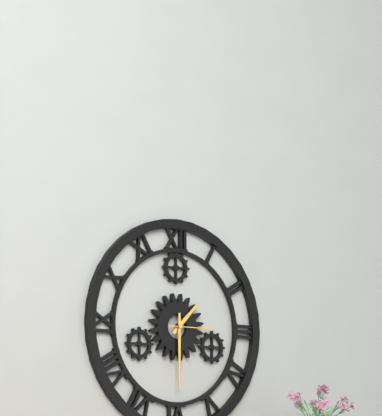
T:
1.30.15
